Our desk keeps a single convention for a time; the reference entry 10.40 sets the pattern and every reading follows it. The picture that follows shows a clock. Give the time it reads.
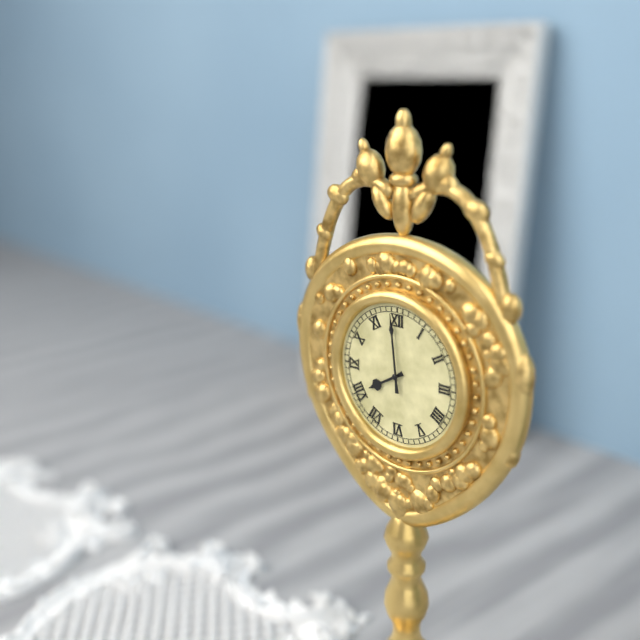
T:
7.59
